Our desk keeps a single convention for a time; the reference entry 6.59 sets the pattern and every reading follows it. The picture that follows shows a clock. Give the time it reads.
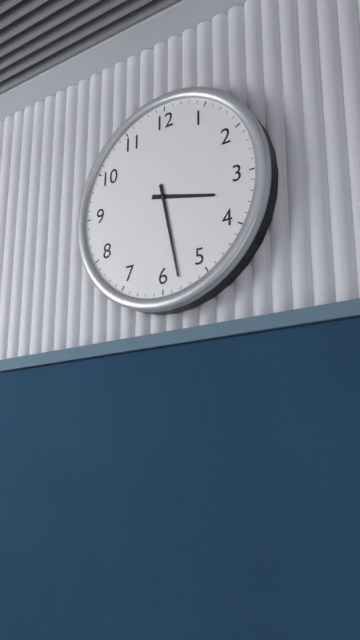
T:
3.28
